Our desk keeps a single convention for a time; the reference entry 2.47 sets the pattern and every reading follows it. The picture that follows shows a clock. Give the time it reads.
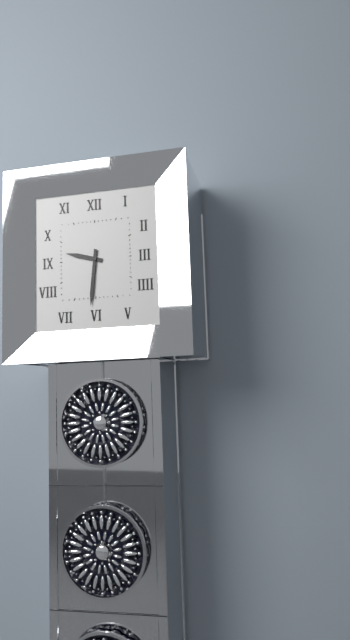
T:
9.31
